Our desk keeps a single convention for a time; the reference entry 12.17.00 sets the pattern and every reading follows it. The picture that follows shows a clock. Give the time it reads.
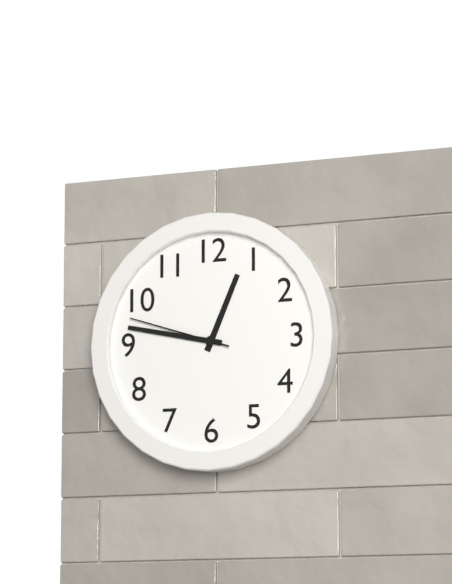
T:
12.47.48
